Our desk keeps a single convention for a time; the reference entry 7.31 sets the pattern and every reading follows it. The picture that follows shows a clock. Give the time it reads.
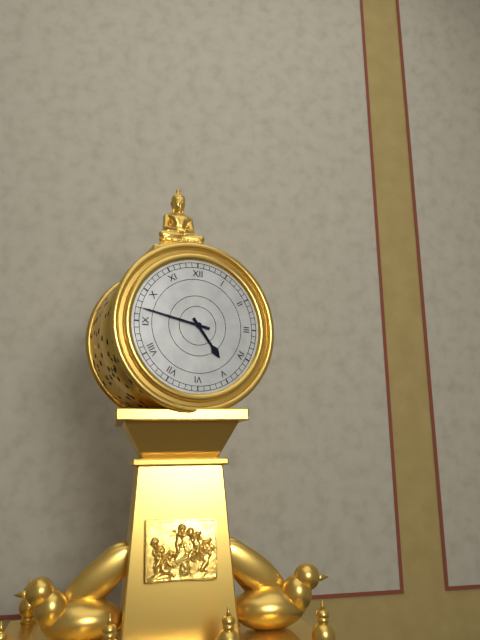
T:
4.47
